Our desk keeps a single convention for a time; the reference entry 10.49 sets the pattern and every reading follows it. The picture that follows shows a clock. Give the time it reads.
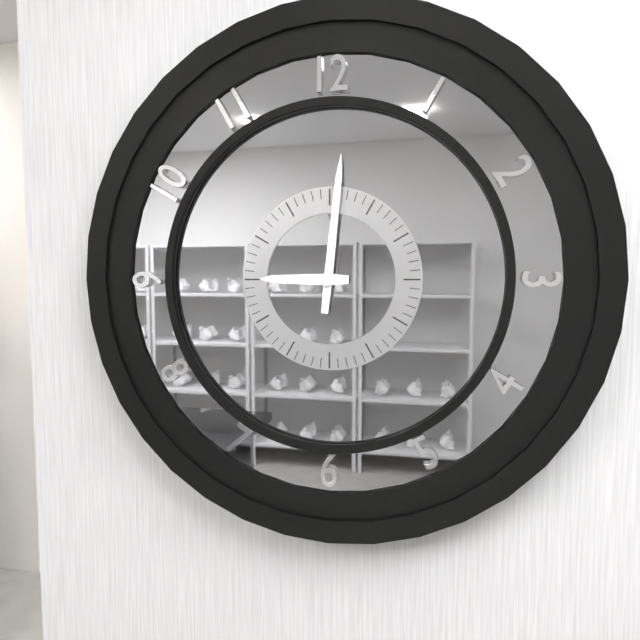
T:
9.01
